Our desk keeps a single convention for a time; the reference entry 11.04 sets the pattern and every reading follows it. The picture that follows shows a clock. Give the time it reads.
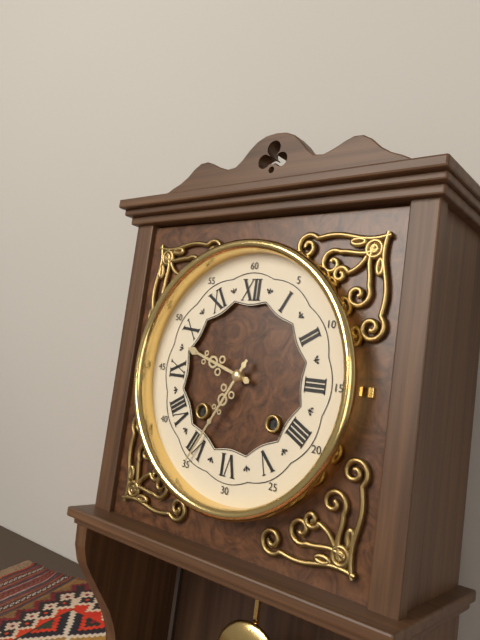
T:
9.35
